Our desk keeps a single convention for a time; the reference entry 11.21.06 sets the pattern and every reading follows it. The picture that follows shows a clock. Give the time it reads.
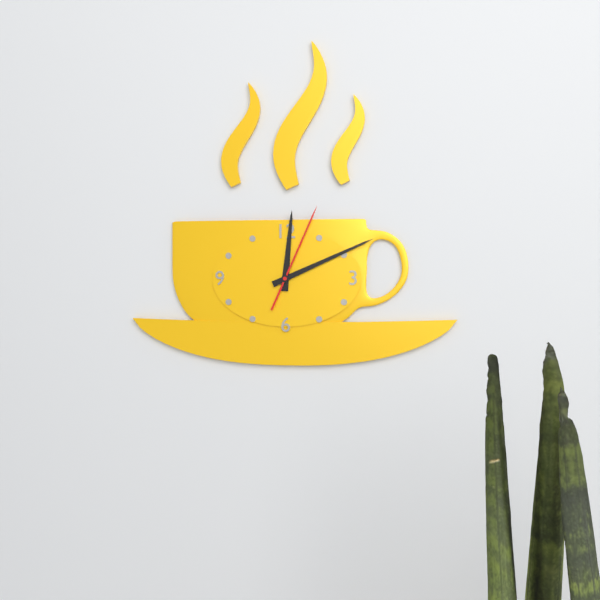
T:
12.11.04
